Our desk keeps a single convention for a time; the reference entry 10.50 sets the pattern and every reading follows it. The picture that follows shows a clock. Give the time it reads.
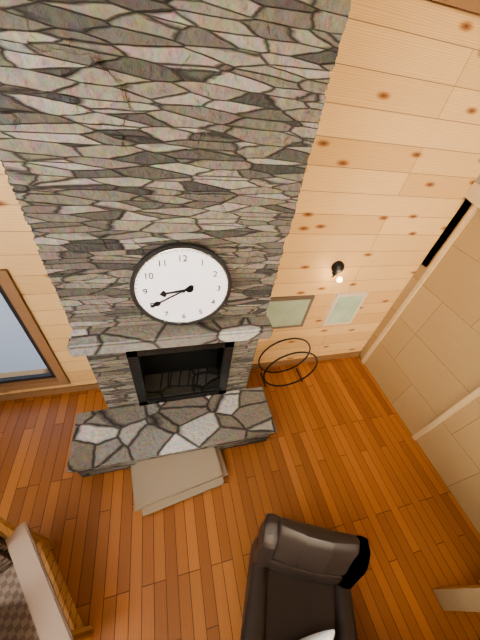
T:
8.40
